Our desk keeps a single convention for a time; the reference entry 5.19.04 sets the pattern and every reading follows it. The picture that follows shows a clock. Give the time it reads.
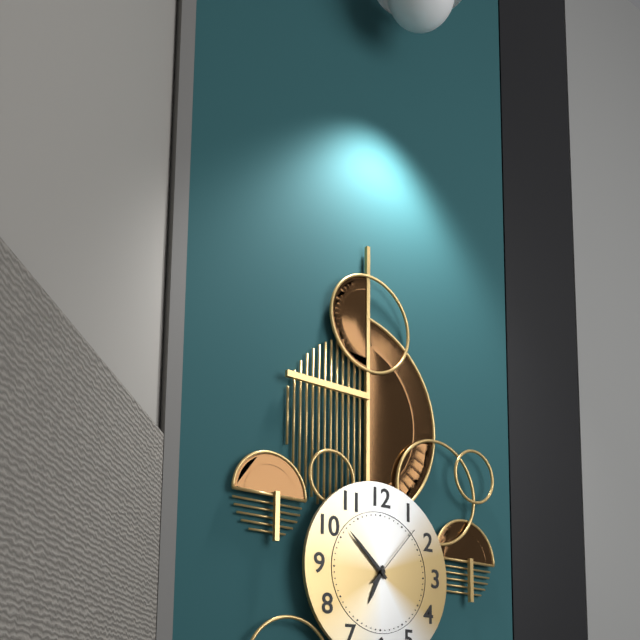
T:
6.52.07
